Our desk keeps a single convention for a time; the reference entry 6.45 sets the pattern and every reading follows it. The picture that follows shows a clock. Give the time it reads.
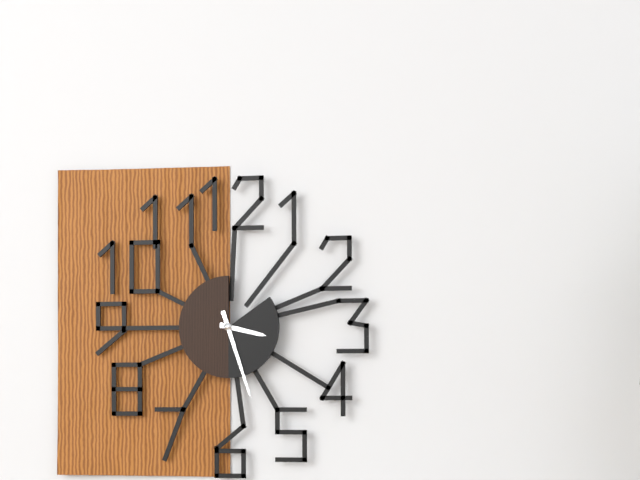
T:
3.27
